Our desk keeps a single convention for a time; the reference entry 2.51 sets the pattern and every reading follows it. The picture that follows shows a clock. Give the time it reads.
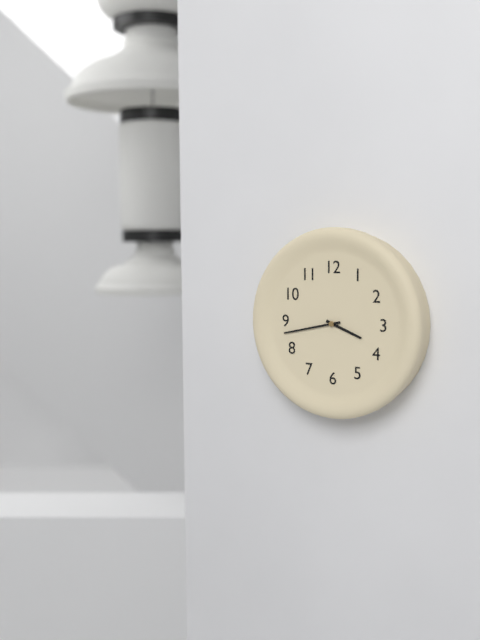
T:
3.43
